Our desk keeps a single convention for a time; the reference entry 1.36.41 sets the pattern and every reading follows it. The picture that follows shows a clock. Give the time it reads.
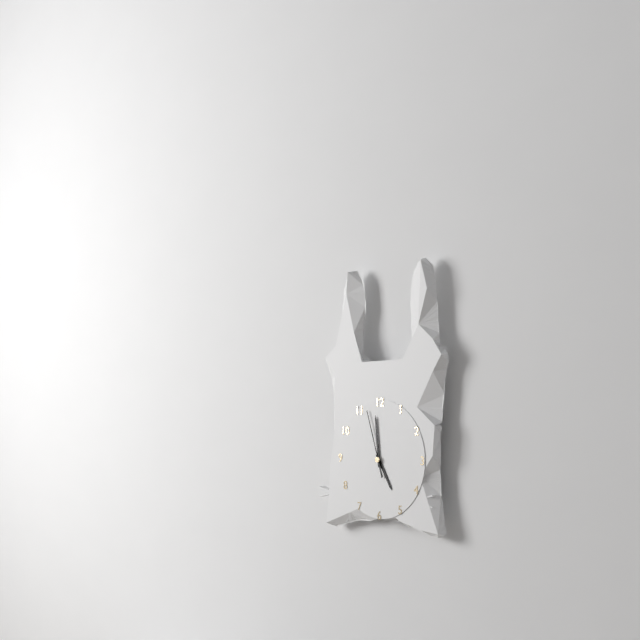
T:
4.59.57
